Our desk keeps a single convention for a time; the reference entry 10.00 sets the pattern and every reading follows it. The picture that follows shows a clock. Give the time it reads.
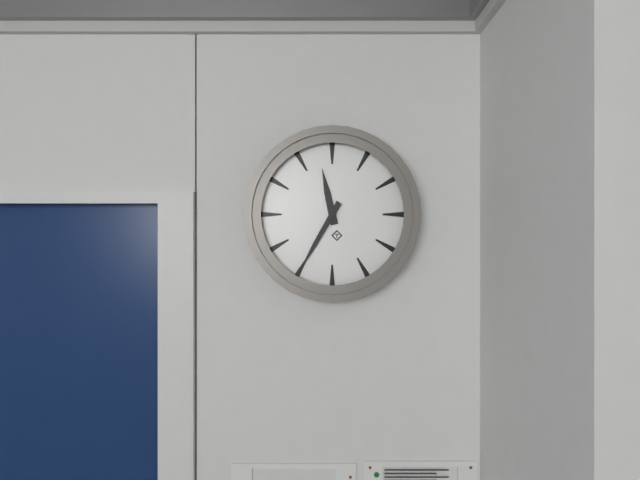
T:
11.35
